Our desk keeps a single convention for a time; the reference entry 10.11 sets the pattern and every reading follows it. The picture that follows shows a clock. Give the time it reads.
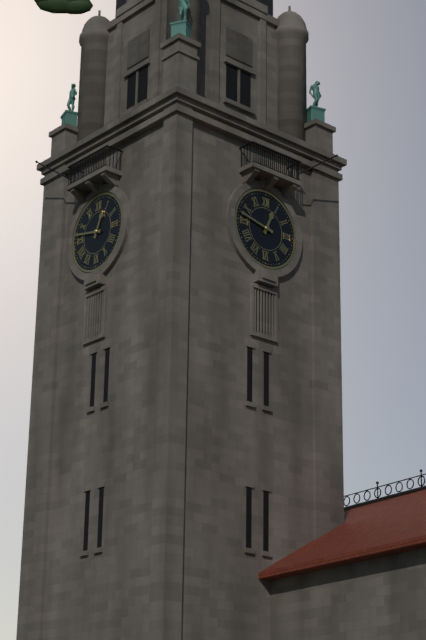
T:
12.47
